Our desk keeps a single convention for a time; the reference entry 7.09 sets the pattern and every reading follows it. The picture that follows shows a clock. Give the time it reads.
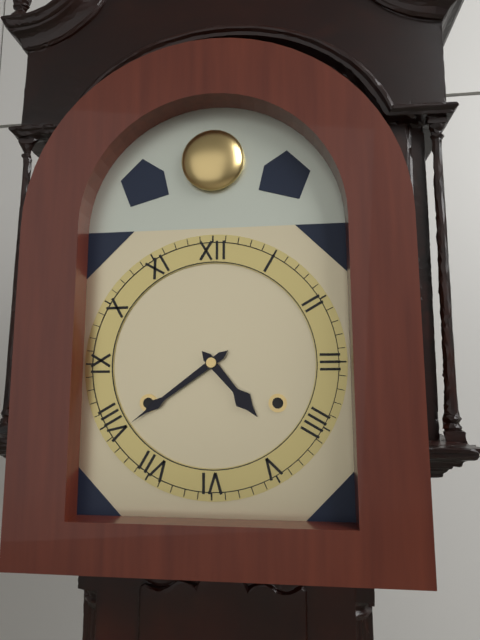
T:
4.39
